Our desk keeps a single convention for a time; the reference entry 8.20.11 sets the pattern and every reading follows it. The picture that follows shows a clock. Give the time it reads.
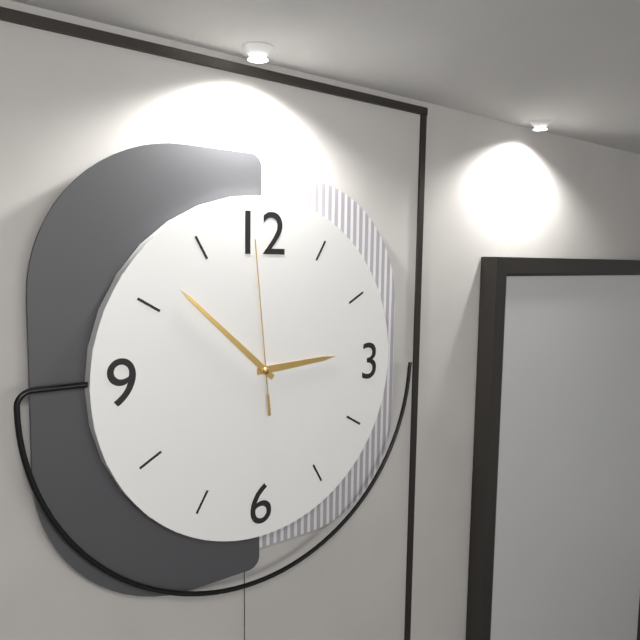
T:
2.52.59
